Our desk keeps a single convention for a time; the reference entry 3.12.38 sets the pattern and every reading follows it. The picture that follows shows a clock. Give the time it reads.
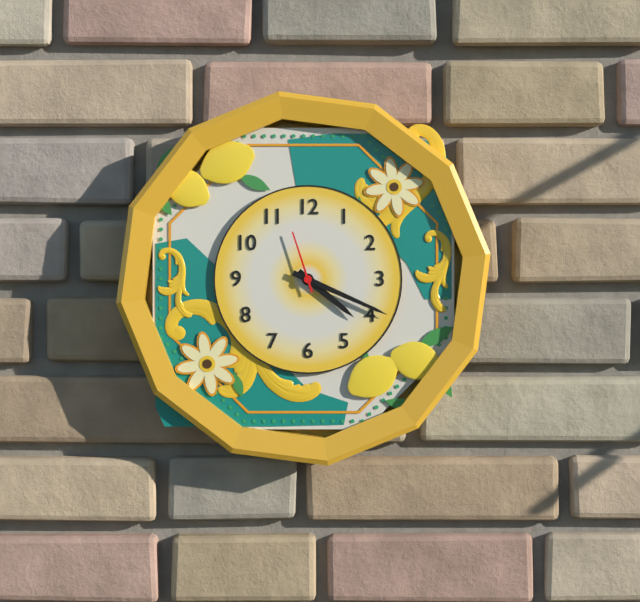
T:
4.19.57
